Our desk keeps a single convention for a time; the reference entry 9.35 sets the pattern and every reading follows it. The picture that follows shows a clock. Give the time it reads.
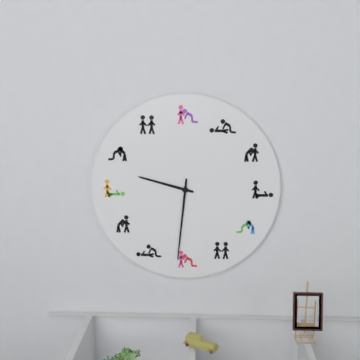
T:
9.31
